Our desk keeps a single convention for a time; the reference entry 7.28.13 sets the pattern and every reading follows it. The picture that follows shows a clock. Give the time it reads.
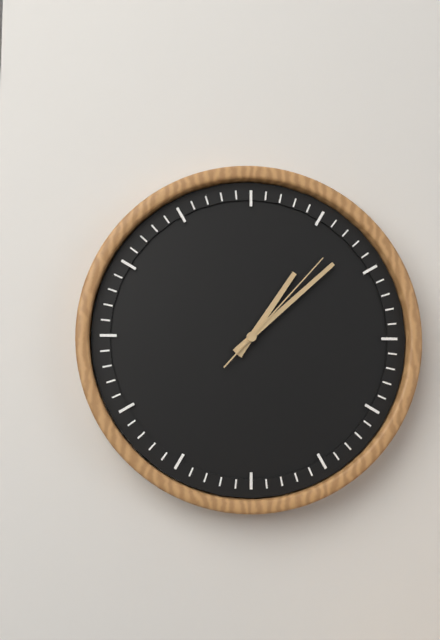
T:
1.08.07
